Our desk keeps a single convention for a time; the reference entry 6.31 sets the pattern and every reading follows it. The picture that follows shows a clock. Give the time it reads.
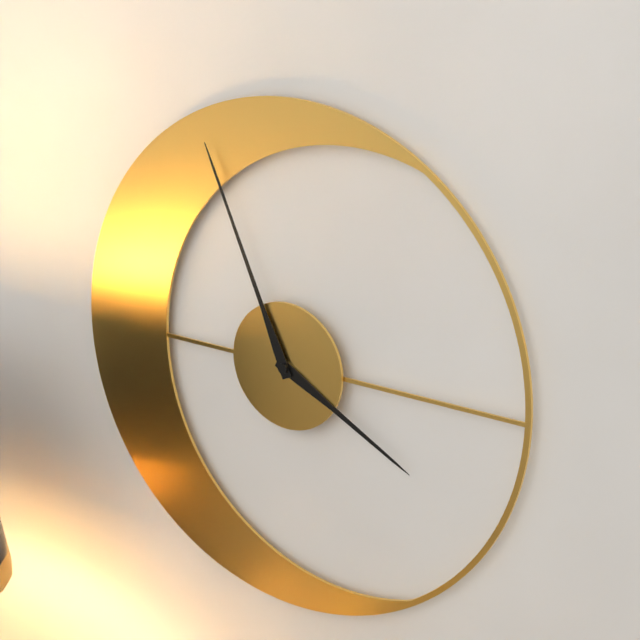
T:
3.56
